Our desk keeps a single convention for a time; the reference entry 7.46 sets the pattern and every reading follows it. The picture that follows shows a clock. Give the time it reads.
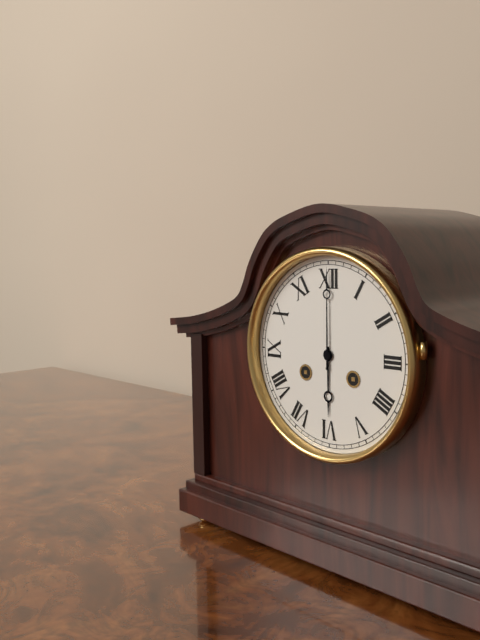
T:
6.00
